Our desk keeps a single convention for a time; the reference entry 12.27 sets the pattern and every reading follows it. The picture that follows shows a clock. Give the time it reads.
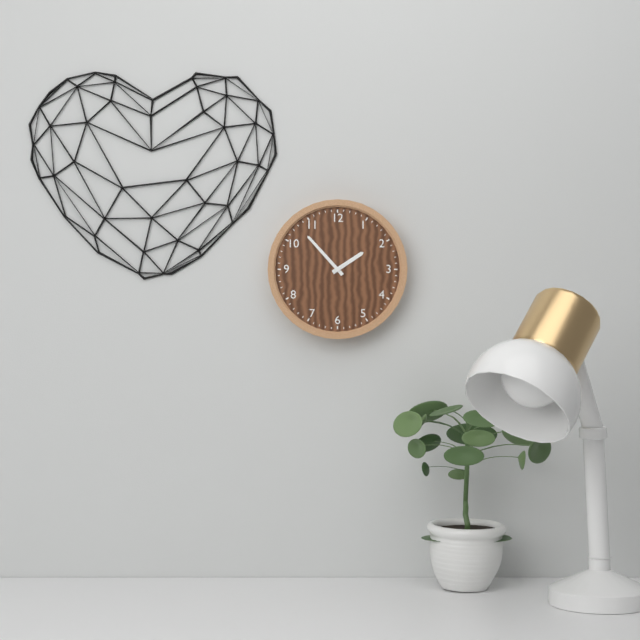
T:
1.53
